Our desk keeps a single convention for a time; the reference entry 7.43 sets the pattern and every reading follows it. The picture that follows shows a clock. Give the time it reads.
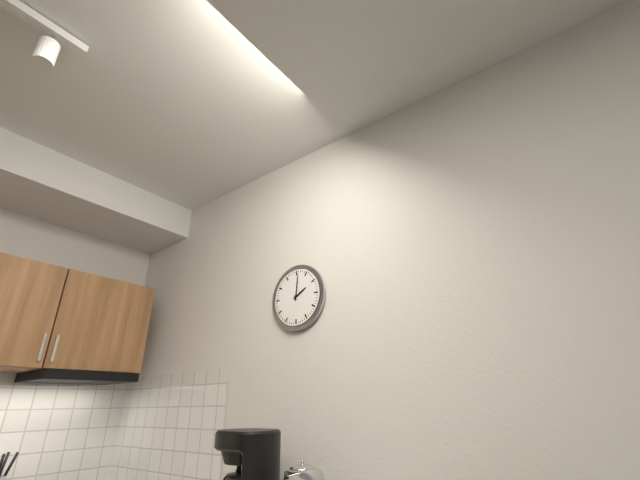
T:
2.01
